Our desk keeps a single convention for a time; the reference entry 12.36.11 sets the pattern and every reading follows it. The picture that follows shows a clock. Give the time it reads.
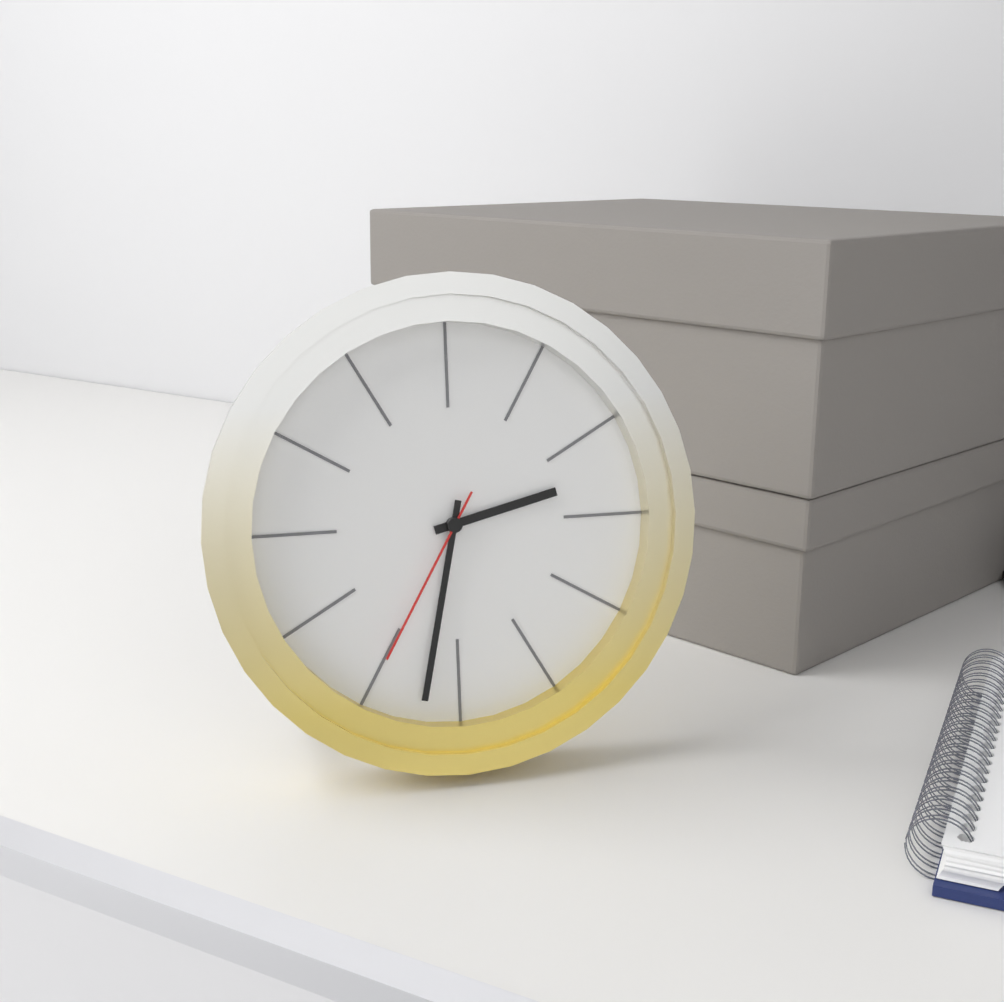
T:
2.32.35
